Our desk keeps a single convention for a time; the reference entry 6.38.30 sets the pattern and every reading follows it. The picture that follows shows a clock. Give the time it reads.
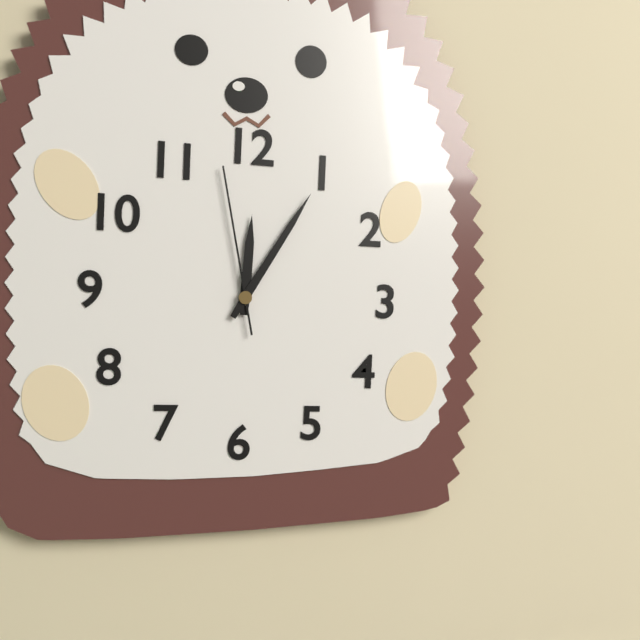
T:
12.05.58
